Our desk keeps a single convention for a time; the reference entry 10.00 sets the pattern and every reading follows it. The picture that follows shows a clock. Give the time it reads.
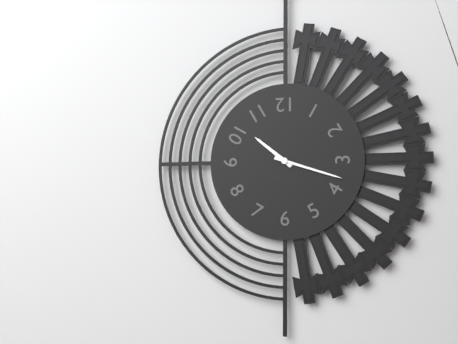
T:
10.18
